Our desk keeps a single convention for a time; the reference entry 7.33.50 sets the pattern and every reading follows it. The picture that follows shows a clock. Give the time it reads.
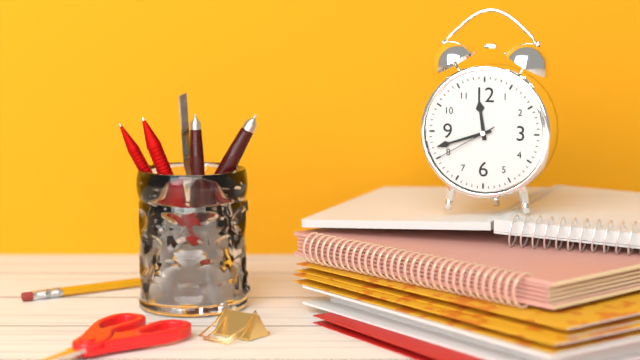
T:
11.42.40
